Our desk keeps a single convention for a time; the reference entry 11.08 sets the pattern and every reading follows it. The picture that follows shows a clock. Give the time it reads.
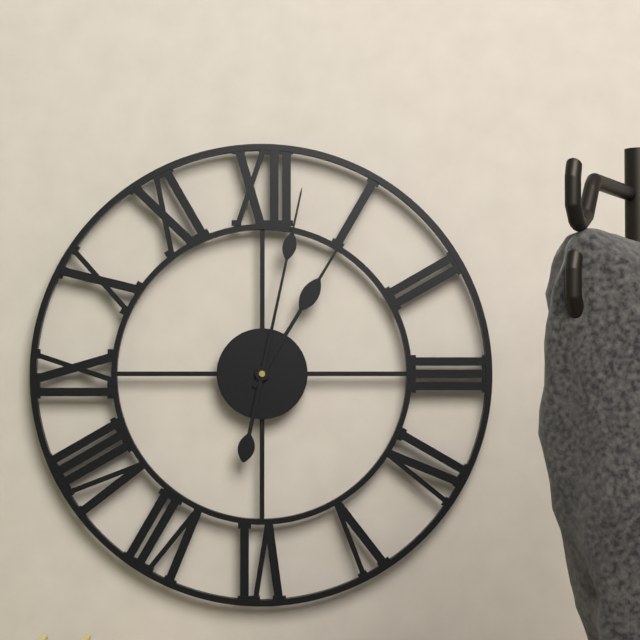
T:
1.02
